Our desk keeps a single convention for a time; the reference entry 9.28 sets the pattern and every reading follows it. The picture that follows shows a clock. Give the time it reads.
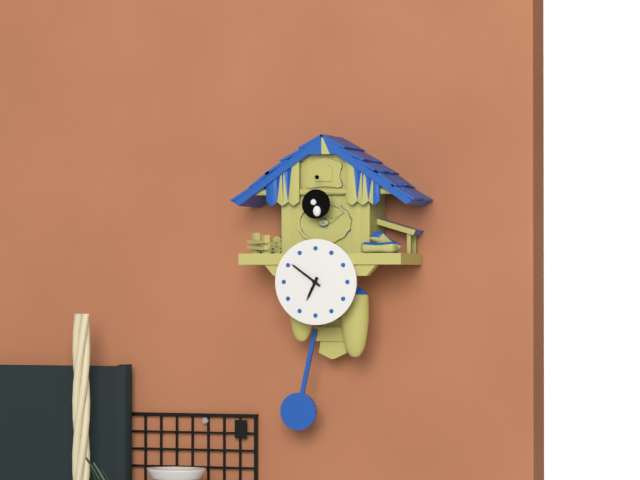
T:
6.51
